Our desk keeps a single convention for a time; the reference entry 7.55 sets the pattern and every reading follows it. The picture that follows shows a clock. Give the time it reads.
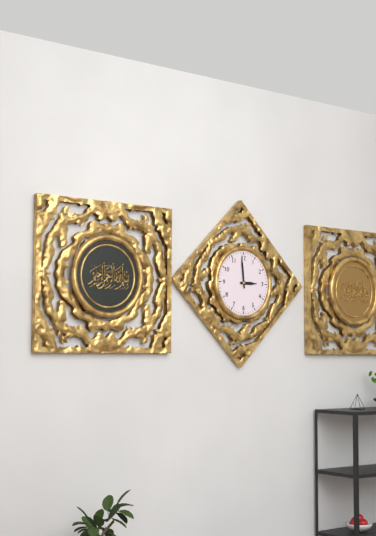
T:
2.59
